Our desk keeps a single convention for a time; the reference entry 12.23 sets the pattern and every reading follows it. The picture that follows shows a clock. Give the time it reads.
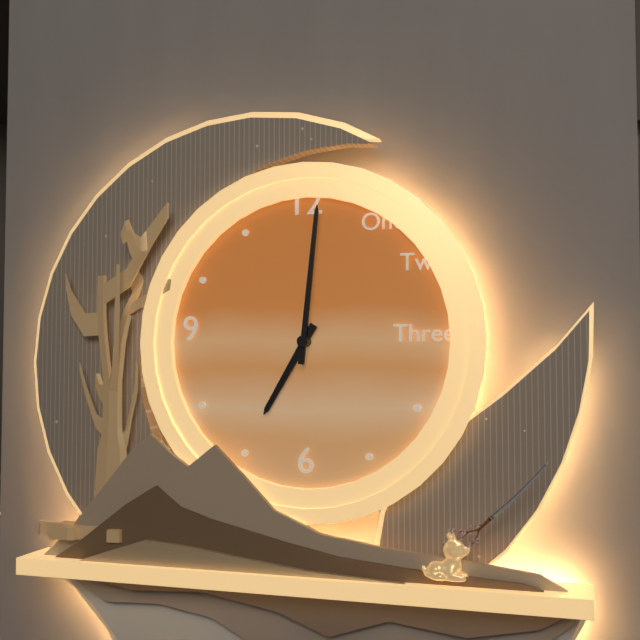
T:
7.01
